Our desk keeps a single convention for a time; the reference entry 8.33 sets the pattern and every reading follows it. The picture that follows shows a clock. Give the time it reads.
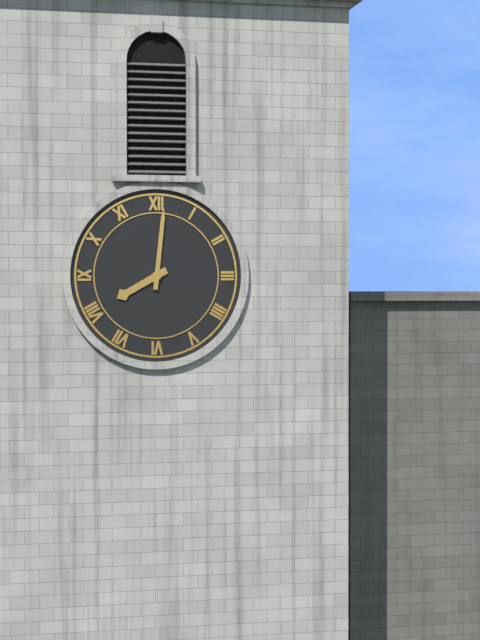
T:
8.01
